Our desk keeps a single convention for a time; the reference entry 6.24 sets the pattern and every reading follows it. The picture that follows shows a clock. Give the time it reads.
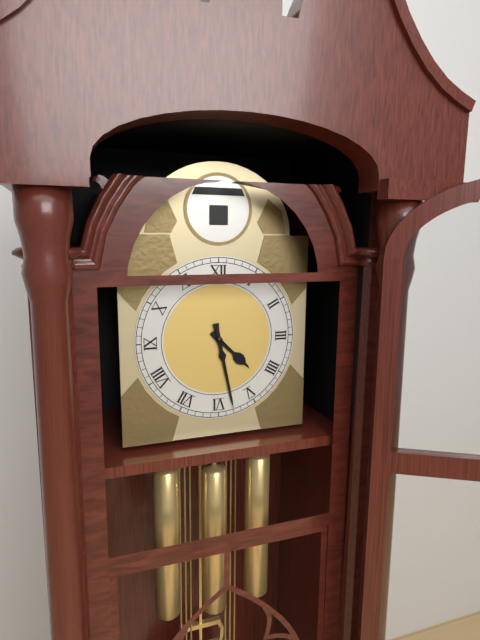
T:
4.28
